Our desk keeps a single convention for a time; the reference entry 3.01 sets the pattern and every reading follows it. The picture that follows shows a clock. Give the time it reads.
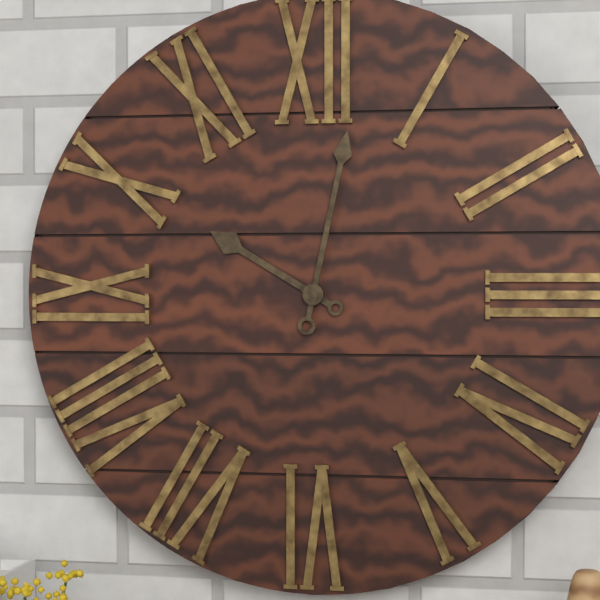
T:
10.02
